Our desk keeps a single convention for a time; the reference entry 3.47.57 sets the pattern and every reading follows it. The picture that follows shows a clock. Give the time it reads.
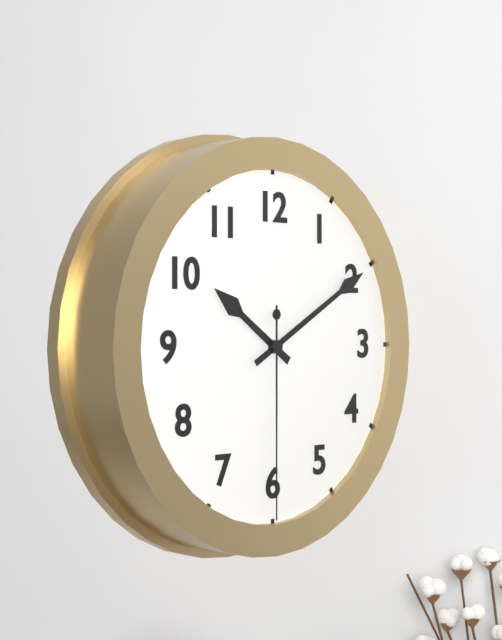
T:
10.10.30
